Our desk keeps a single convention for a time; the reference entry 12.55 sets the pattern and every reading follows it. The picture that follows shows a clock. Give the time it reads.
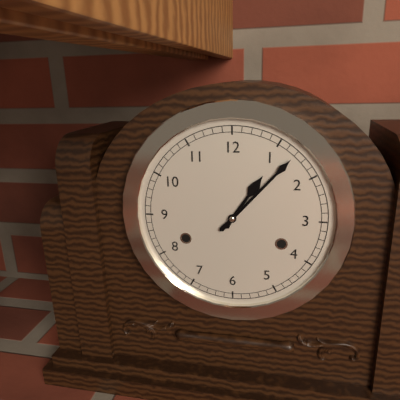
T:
1.07
